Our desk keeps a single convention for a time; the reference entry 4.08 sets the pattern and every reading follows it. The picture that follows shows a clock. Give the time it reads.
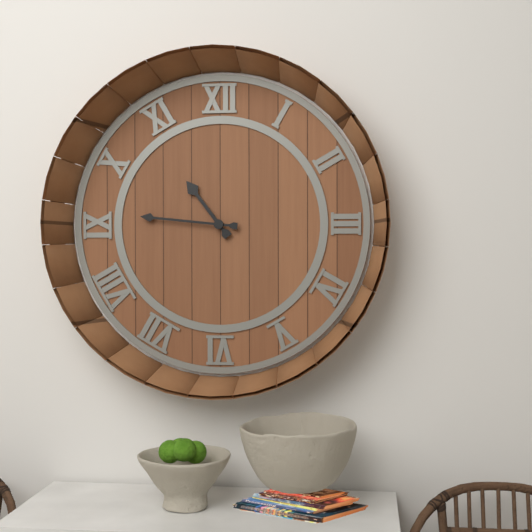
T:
10.46
